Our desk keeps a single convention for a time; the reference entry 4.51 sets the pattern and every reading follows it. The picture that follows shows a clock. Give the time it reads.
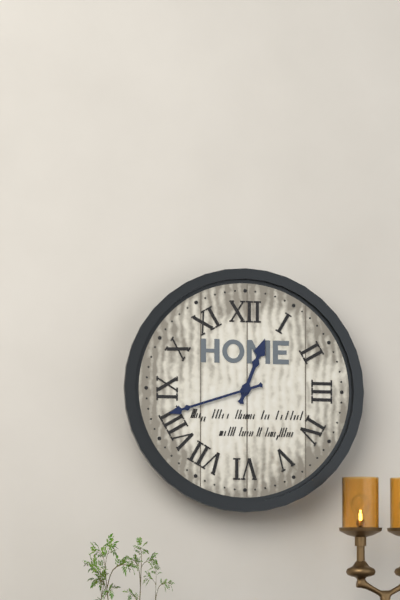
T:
12.42
